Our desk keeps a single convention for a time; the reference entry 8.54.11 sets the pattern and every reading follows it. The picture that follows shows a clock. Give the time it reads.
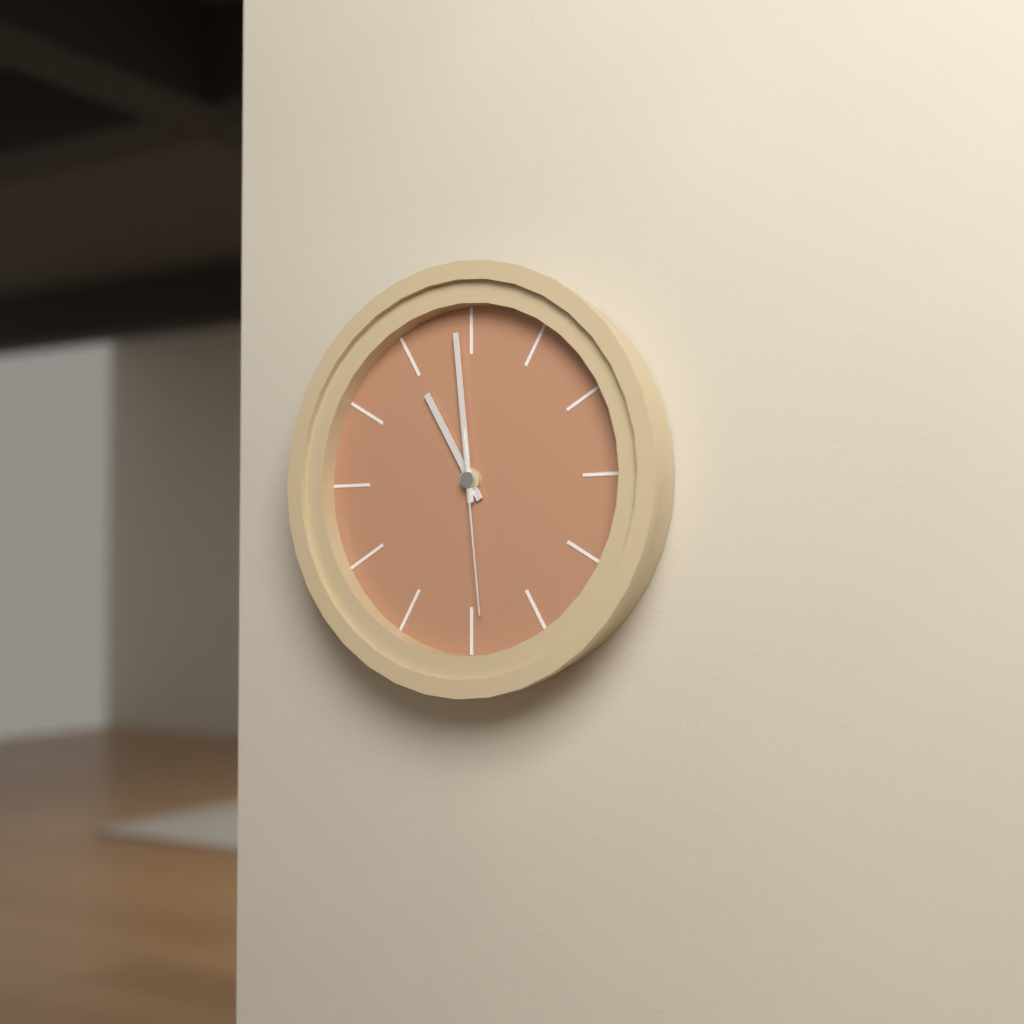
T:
10.59.29
